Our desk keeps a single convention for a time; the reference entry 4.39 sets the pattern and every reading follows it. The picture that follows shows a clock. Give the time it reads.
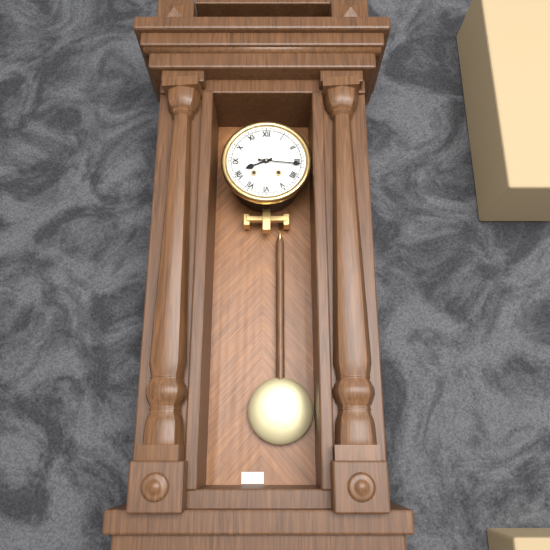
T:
8.16
